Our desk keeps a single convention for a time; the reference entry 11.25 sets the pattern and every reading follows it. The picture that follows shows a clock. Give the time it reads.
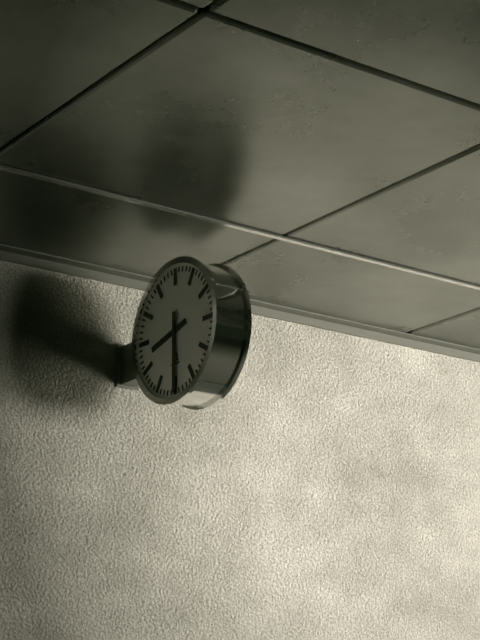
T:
8.30
